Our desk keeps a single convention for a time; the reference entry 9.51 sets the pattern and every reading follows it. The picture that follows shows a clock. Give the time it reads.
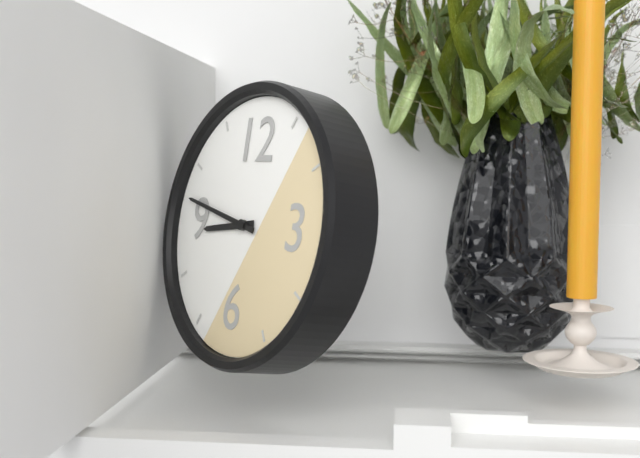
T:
8.47
